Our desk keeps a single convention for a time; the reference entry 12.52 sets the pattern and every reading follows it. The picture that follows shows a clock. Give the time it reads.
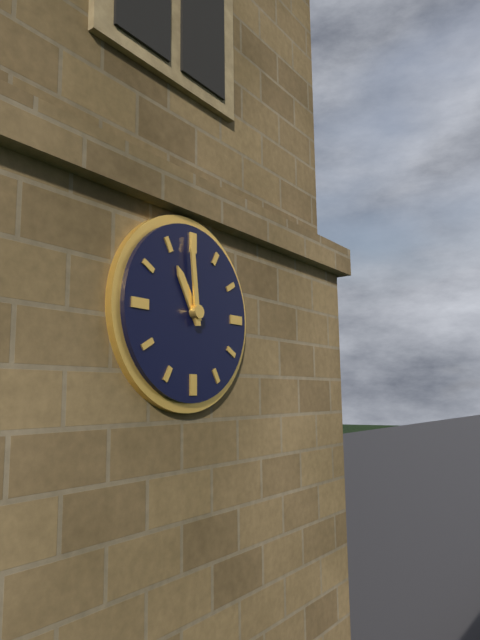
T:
10.59
